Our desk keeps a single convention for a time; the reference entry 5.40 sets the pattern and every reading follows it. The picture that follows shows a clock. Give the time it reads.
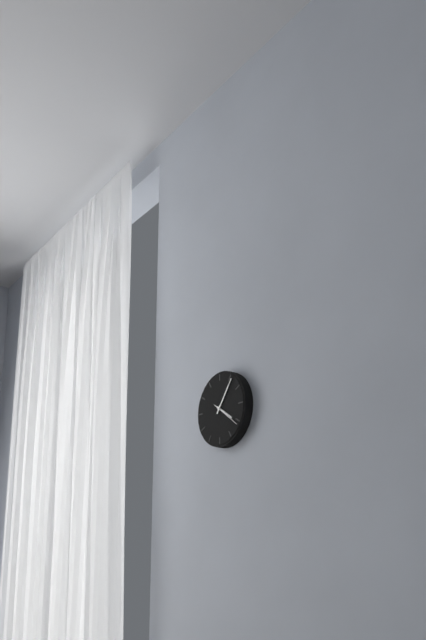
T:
4.06
